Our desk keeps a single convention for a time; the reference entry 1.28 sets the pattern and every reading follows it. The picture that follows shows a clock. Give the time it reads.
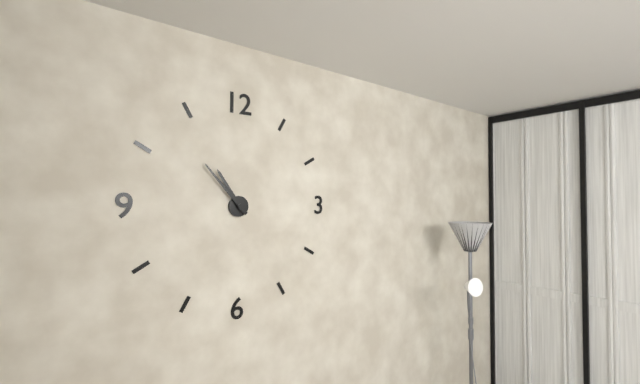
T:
10.53
